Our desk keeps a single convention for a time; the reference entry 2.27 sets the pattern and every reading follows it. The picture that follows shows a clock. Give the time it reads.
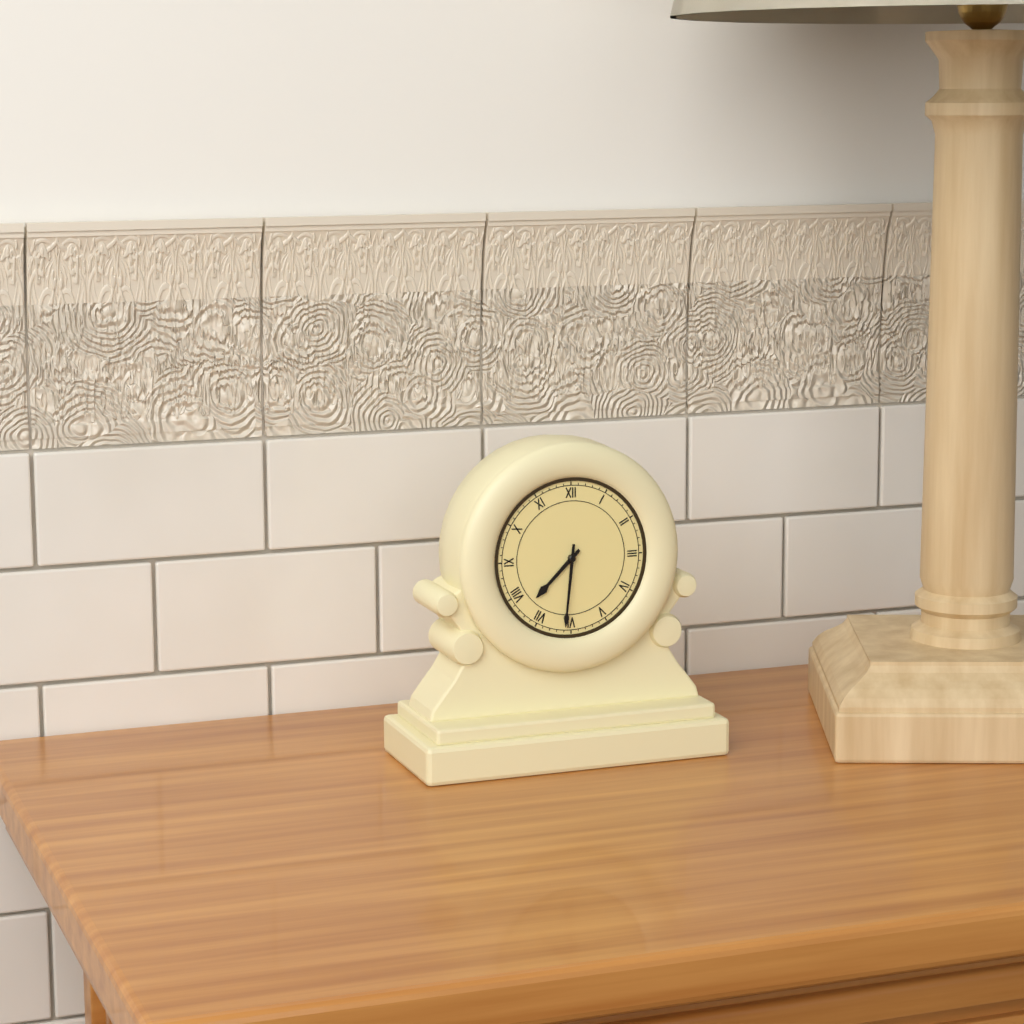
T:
7.31
